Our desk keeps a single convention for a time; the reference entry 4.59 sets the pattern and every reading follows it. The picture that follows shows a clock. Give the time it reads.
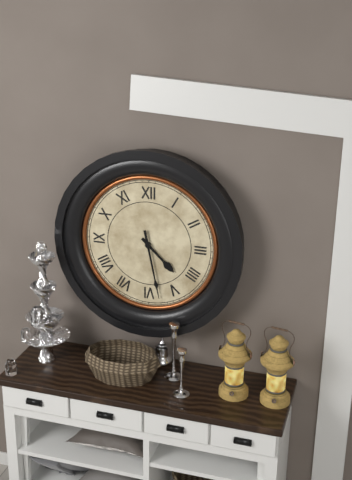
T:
4.28
